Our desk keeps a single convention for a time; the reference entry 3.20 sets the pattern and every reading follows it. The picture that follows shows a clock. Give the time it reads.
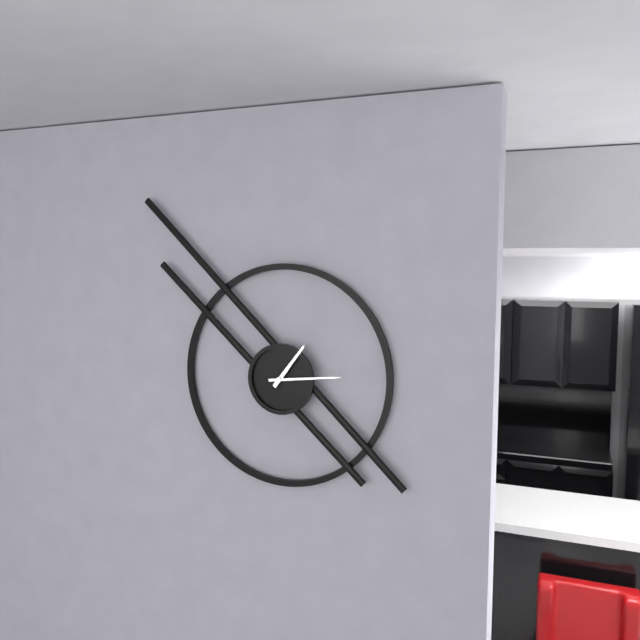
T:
1.14
